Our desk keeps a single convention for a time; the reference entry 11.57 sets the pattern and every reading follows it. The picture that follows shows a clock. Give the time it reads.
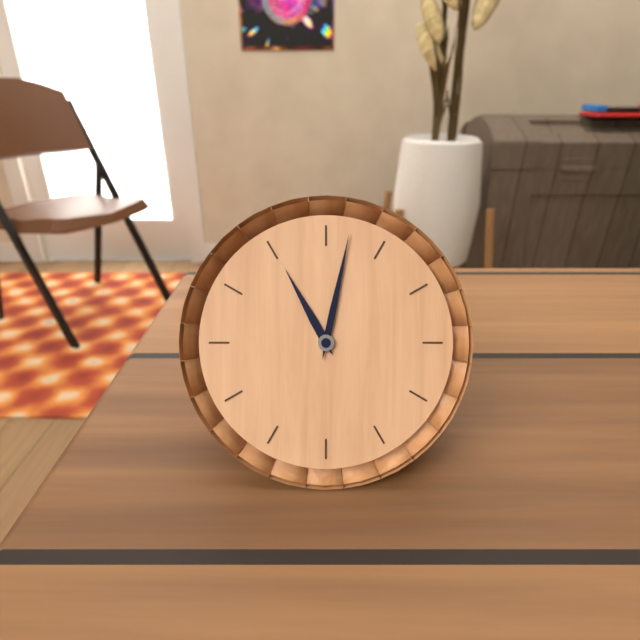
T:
11.02
